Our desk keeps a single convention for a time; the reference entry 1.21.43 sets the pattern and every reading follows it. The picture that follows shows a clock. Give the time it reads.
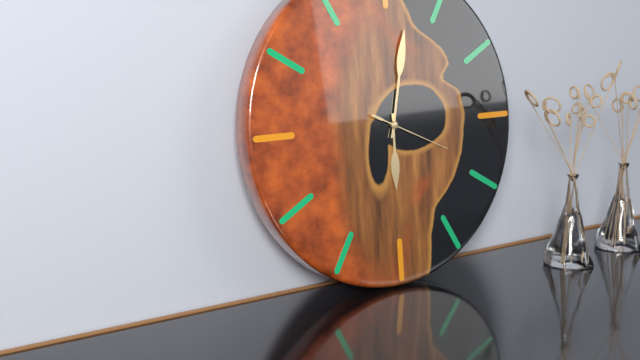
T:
6.02.19
